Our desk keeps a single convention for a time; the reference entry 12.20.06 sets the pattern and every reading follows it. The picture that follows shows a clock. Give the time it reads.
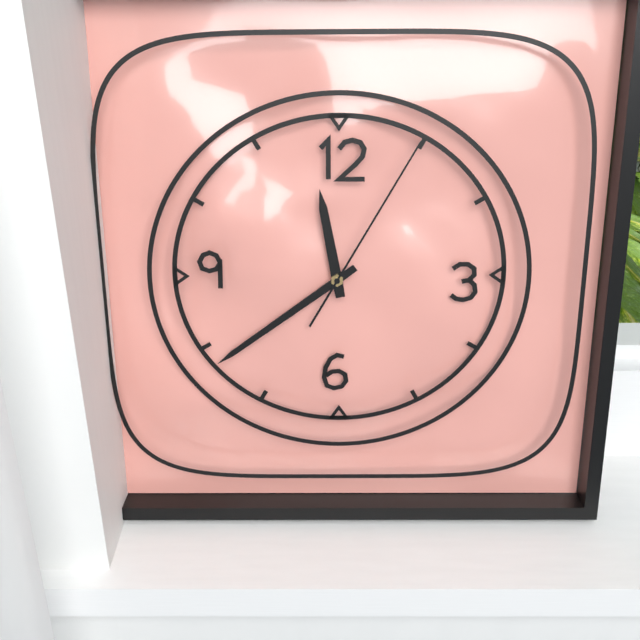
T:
11.39.05
